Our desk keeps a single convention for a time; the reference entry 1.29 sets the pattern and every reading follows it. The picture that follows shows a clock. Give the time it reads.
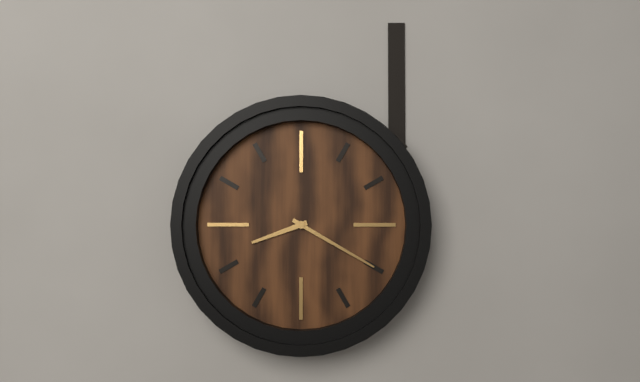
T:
8.20
